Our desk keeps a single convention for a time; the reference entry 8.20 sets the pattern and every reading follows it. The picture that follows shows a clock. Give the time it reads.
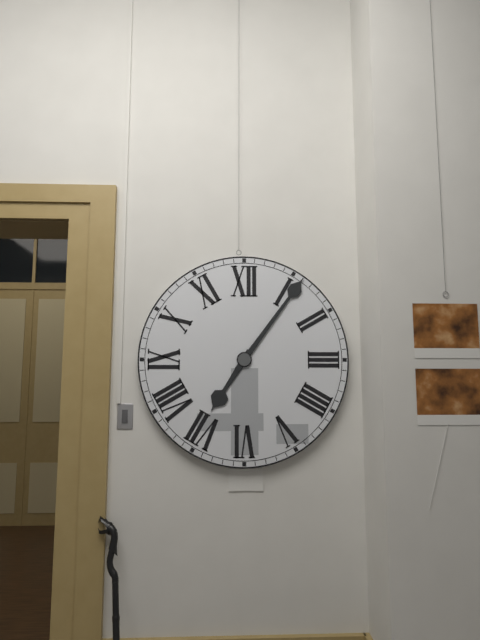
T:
7.06
